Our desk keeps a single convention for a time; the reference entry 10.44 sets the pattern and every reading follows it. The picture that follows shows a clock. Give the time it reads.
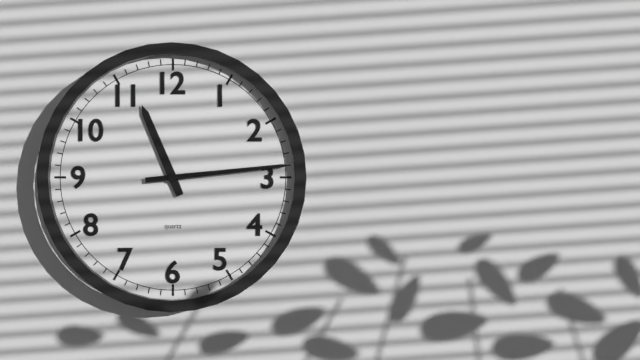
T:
11.14
